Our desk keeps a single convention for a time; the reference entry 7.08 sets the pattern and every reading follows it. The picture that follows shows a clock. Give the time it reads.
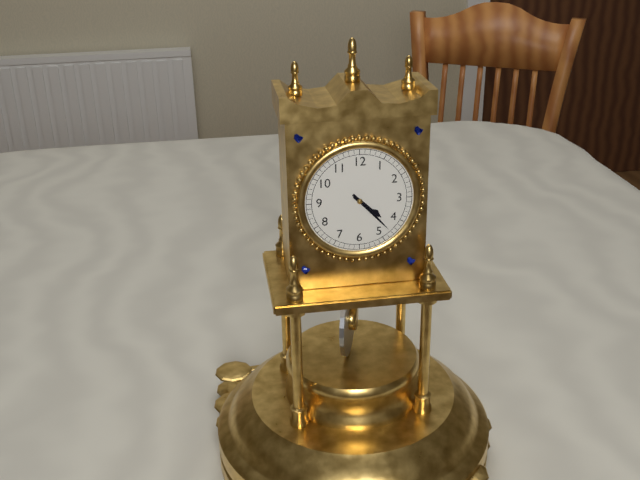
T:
4.23
